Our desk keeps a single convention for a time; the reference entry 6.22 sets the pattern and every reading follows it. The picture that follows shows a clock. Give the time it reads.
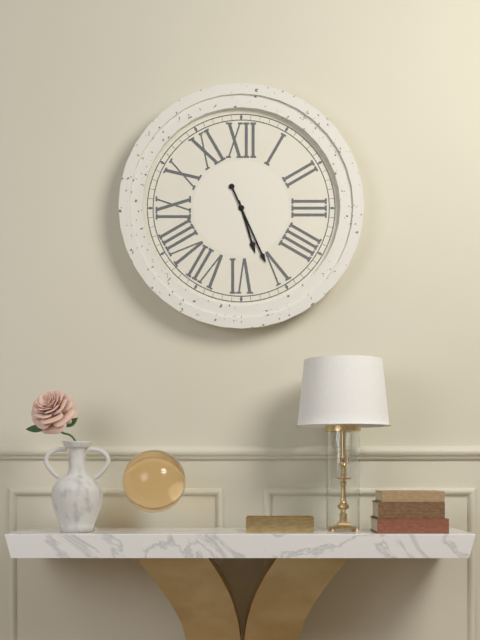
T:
5.26
